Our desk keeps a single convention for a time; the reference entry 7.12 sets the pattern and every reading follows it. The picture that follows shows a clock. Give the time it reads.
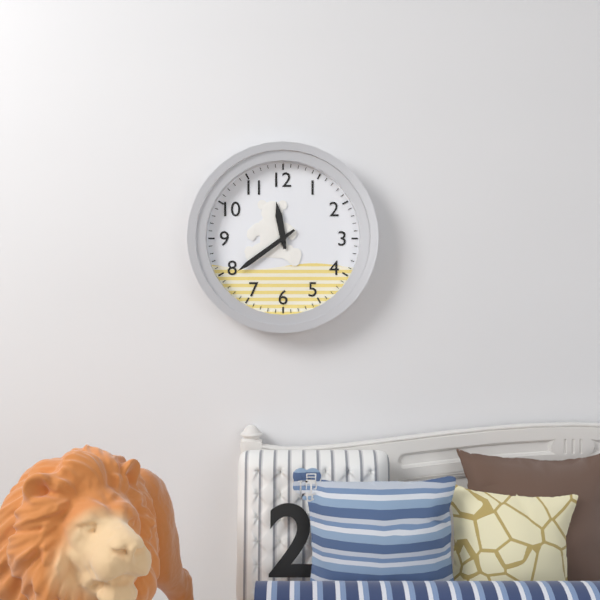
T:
11.39
